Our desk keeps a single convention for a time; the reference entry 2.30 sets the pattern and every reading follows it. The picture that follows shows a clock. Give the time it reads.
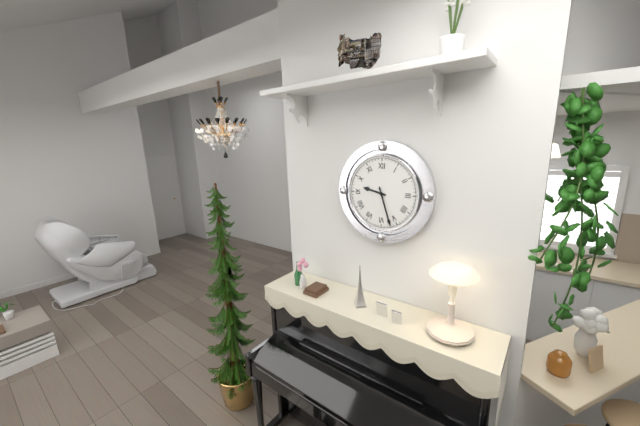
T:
9.27
